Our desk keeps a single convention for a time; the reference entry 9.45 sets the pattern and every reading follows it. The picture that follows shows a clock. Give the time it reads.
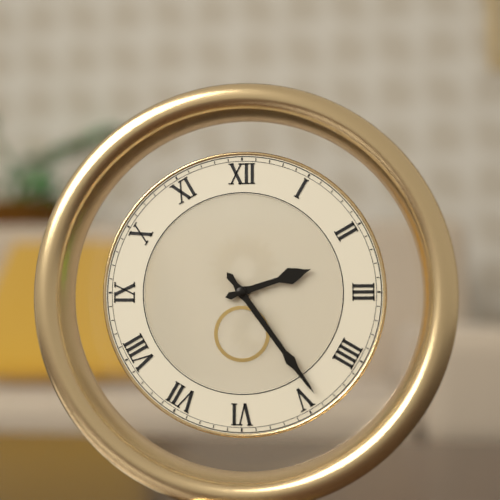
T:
2.24
